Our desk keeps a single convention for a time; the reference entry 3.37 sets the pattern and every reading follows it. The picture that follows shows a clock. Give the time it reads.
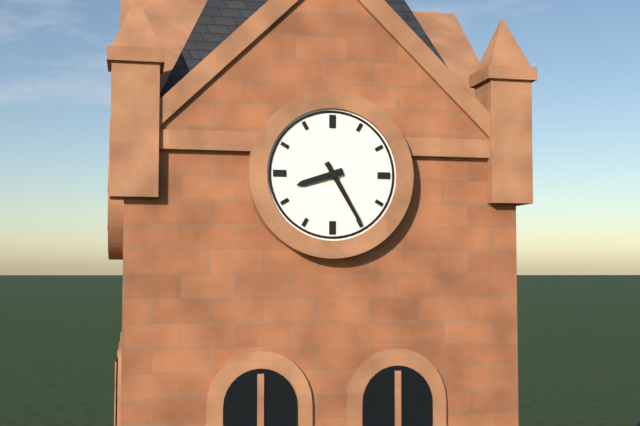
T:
8.25
